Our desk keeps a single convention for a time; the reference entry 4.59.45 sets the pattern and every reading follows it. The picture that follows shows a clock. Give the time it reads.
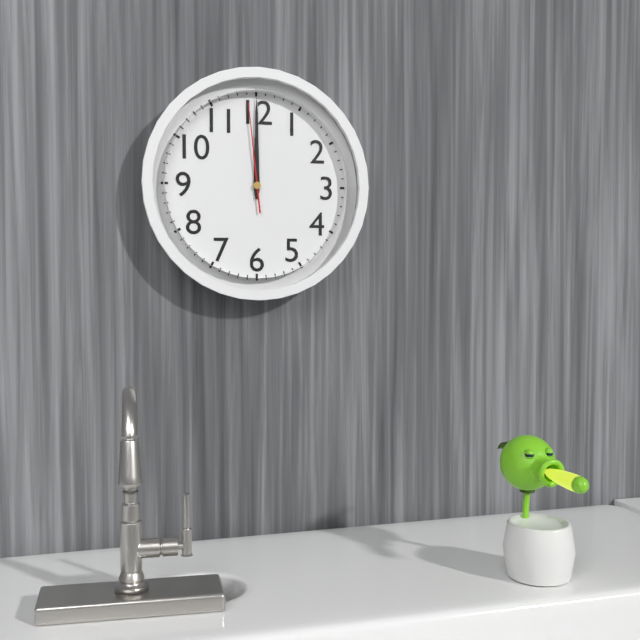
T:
12.00.59
